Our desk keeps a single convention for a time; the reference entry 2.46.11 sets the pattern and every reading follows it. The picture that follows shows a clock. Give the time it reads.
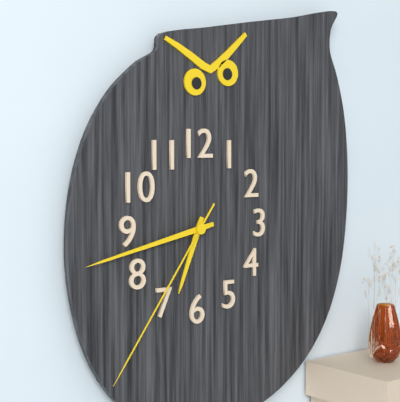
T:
6.43.36
